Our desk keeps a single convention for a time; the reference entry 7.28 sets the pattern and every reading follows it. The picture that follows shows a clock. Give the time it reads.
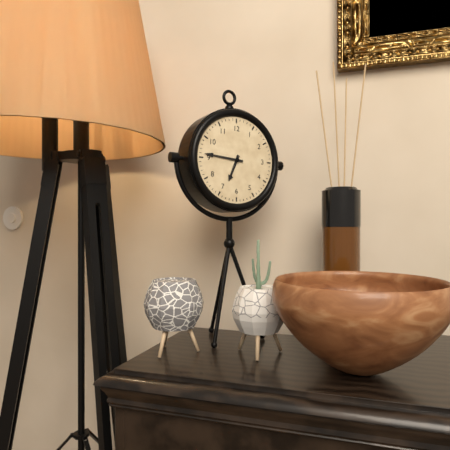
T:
6.46
